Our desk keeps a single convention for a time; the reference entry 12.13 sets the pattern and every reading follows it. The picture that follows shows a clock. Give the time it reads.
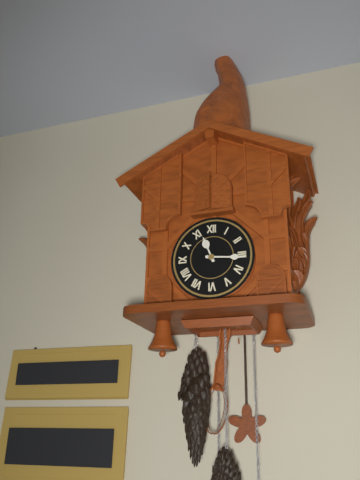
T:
11.16
